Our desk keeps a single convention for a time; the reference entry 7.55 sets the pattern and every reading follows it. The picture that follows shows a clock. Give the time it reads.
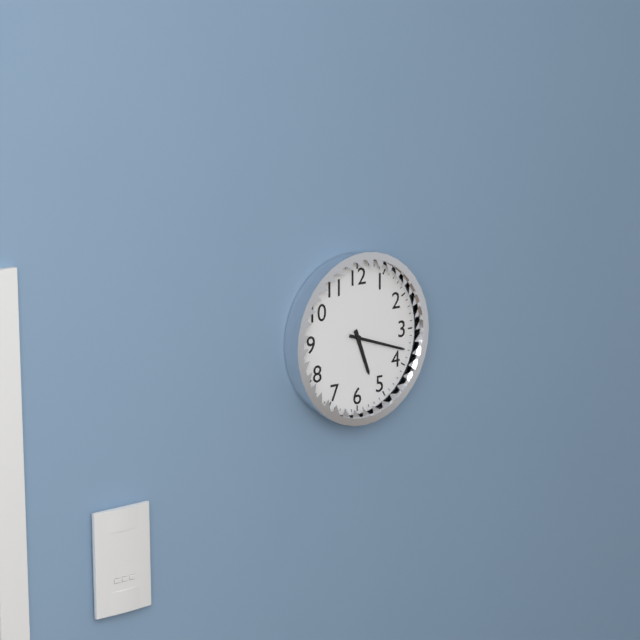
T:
5.18
